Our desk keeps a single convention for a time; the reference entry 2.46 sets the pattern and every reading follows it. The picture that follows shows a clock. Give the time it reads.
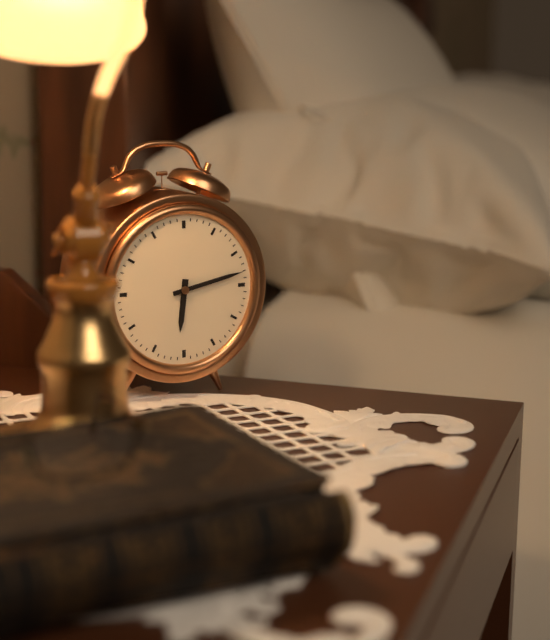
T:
6.13
